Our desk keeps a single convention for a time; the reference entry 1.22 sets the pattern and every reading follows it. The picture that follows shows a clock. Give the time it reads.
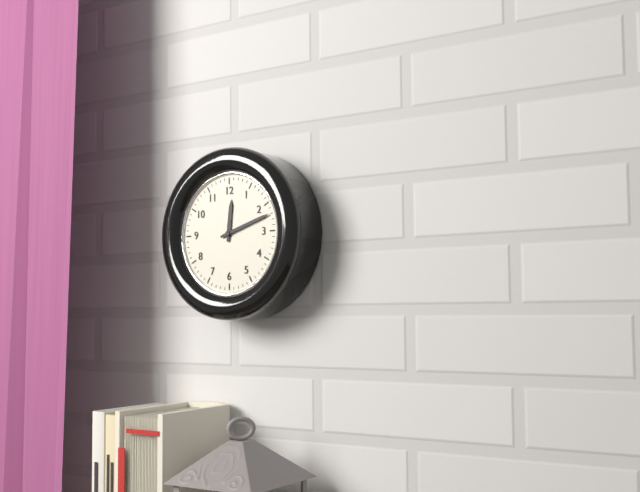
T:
12.12
